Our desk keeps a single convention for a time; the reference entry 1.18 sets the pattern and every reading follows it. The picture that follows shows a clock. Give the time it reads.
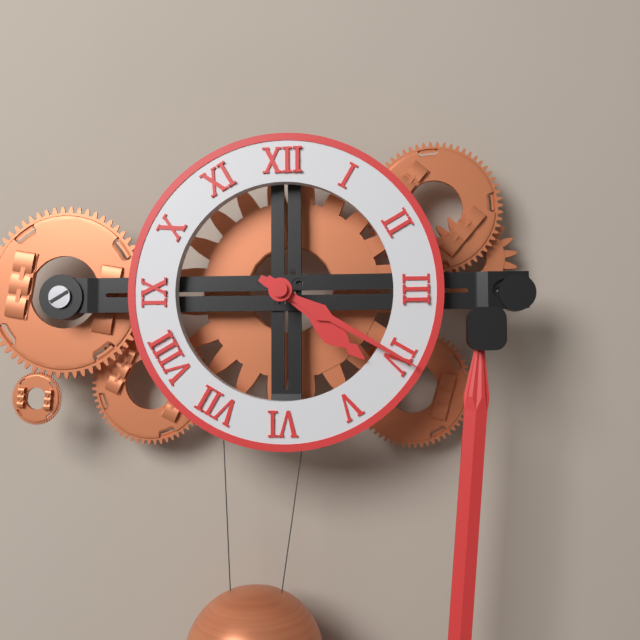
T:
4.20
